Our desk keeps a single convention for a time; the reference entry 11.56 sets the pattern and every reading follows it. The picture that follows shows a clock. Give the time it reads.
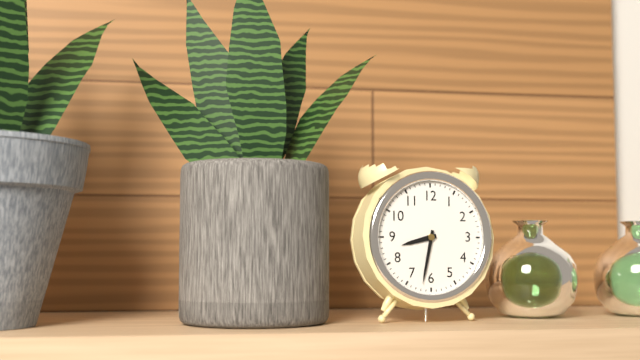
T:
8.32
